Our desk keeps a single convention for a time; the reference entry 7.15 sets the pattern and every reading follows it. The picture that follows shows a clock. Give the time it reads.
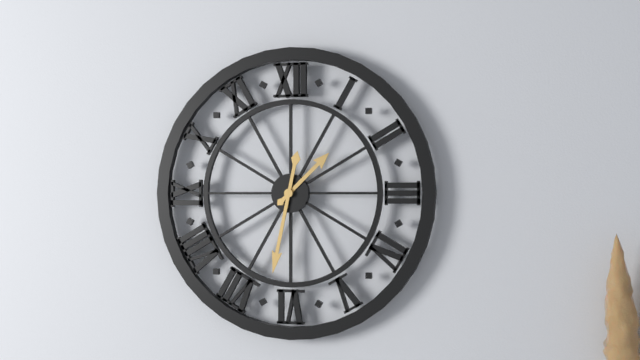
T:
1.32
